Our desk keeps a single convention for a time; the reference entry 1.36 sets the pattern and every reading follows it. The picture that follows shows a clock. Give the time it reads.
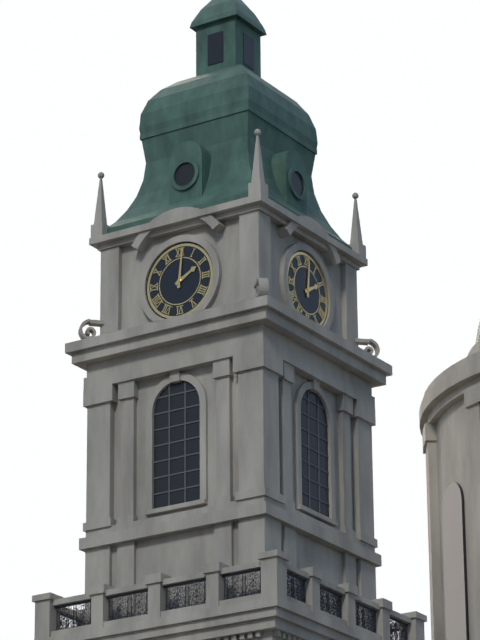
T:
2.01
